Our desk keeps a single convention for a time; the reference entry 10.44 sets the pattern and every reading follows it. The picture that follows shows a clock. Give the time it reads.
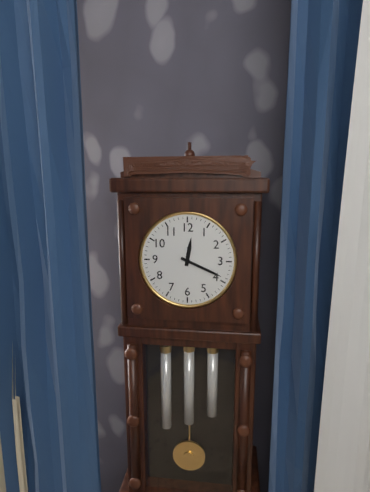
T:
12.19
